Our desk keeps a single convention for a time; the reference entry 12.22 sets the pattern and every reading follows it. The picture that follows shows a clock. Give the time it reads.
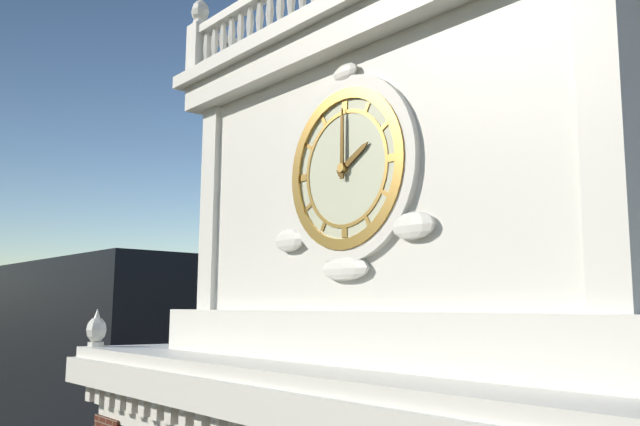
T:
2.00
